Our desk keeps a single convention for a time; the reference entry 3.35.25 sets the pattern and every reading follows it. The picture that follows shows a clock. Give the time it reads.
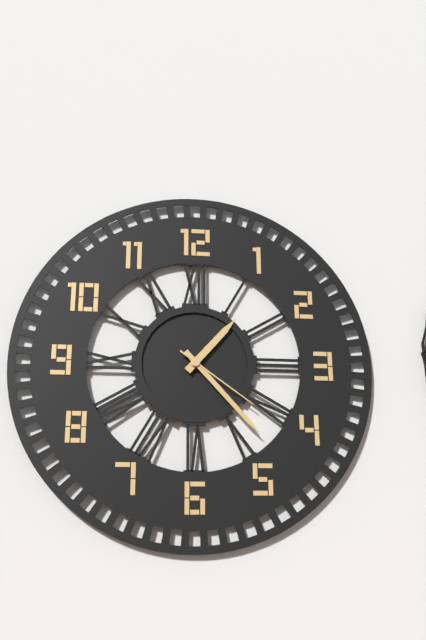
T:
1.23.21
